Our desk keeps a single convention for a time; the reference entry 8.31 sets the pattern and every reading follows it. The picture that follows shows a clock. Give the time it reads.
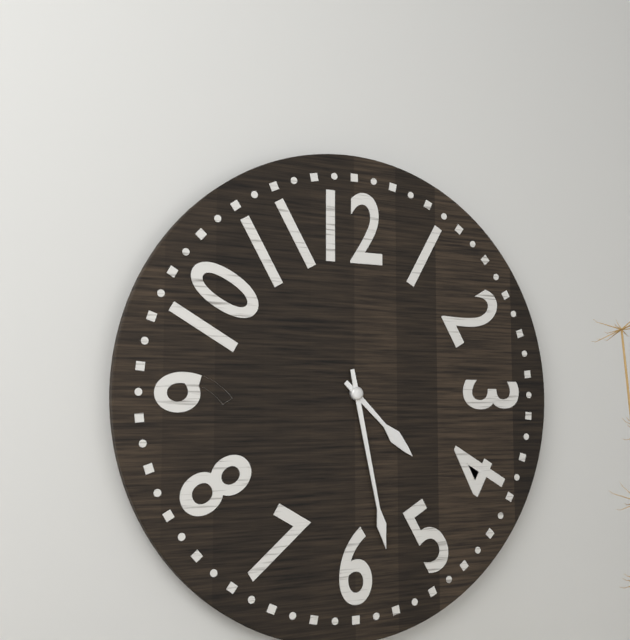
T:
4.28
